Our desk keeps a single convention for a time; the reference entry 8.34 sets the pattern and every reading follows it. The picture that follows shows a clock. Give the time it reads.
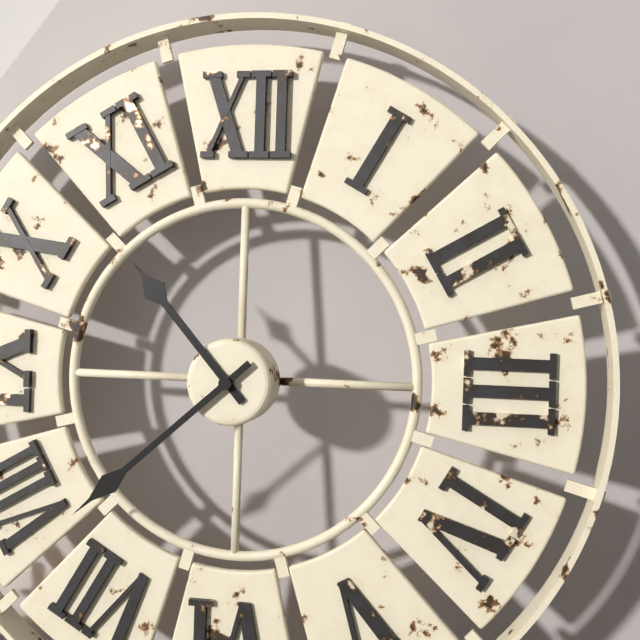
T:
10.38
